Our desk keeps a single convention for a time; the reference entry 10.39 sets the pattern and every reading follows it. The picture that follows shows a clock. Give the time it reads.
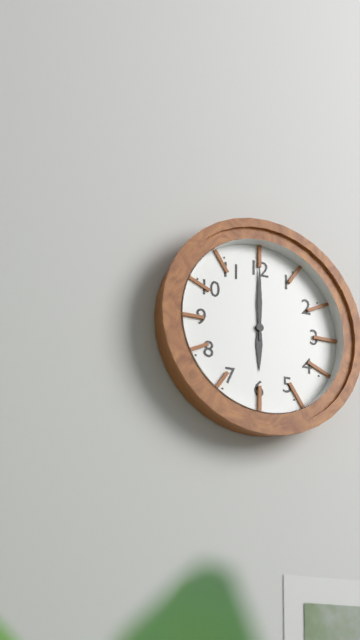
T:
6.00
